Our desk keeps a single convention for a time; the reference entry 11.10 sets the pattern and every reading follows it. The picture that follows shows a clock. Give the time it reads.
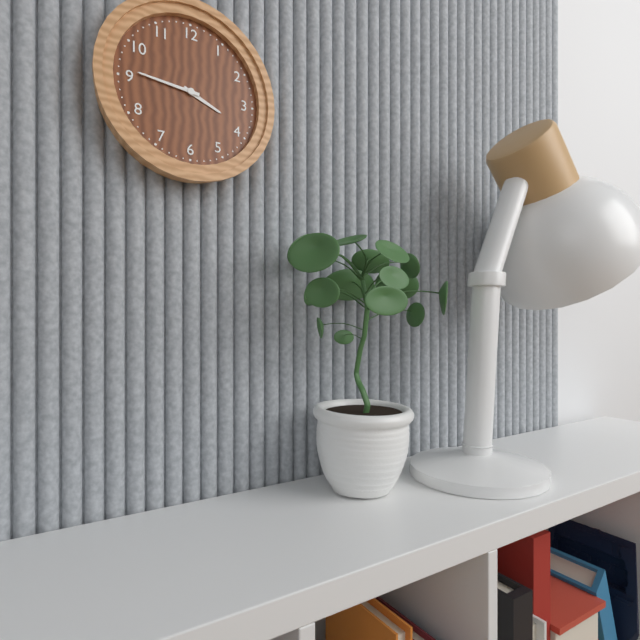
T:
3.46
